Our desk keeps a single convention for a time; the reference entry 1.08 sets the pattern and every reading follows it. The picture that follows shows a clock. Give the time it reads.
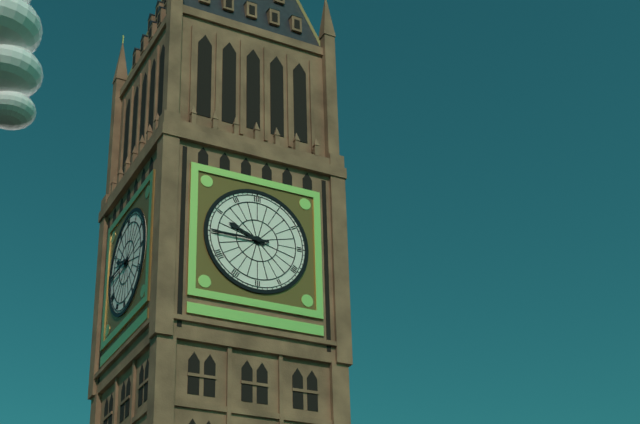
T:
9.45
